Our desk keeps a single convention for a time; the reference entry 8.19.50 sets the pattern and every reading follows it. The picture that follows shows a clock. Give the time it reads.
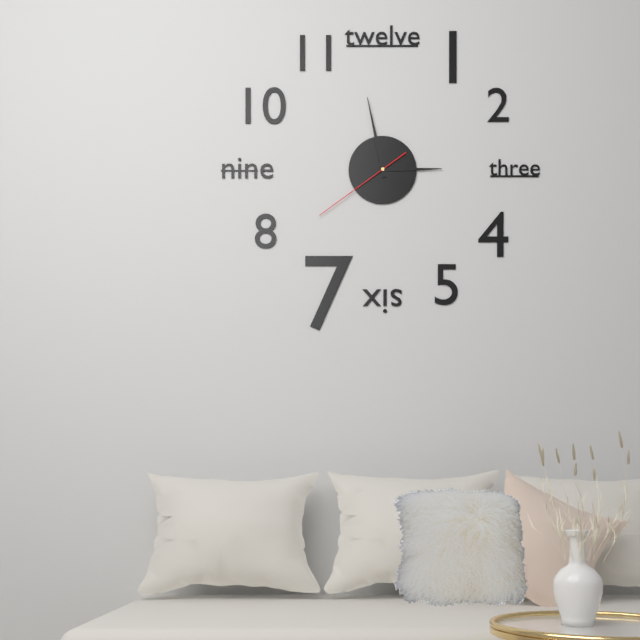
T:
2.58.39
